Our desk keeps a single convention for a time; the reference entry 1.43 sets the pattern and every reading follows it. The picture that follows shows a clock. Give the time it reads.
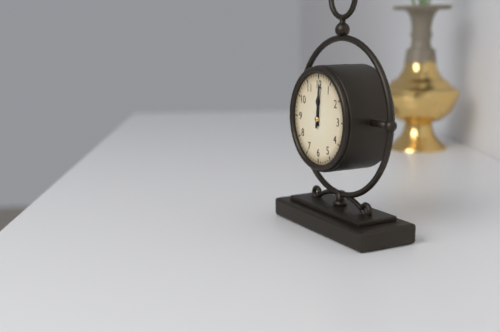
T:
12.01
